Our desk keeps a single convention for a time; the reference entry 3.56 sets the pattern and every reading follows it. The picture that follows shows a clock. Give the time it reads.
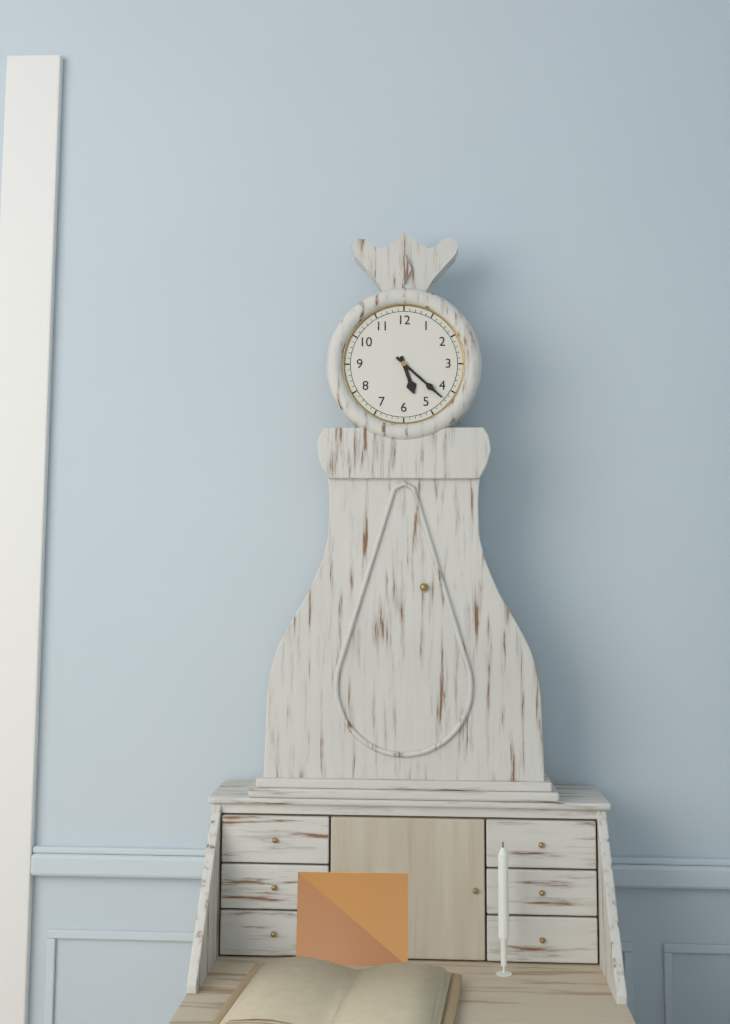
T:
5.22
